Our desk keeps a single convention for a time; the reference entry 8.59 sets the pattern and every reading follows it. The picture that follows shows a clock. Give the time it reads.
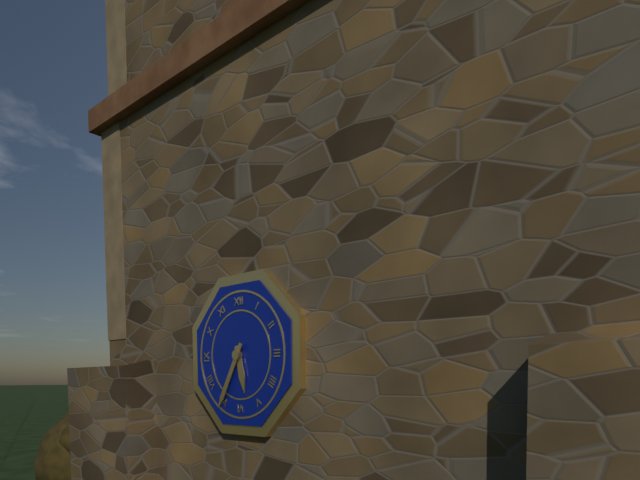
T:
5.35
